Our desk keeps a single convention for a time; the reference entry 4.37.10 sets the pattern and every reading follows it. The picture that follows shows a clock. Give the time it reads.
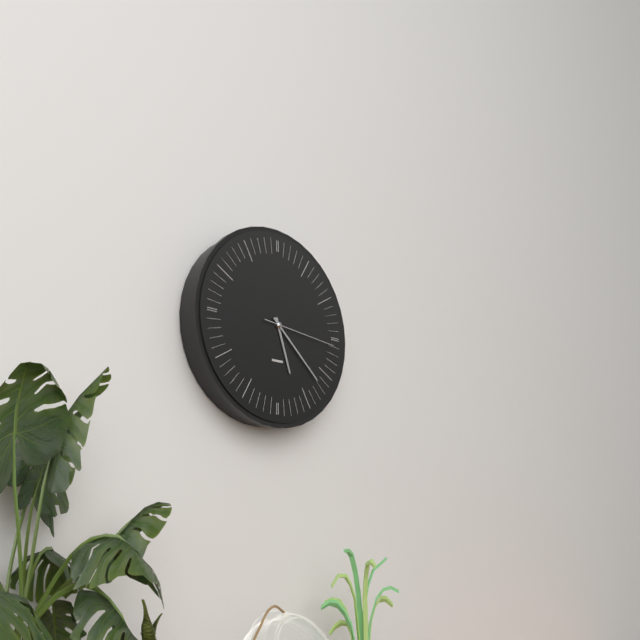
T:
5.22.16
